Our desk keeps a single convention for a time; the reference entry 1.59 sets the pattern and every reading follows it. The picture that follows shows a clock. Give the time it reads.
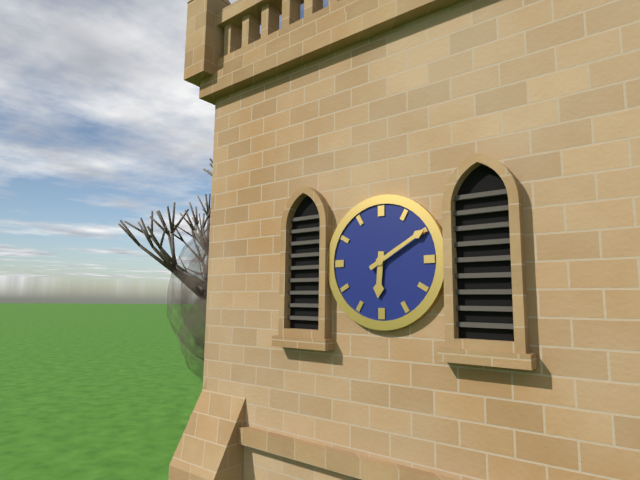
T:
6.10
